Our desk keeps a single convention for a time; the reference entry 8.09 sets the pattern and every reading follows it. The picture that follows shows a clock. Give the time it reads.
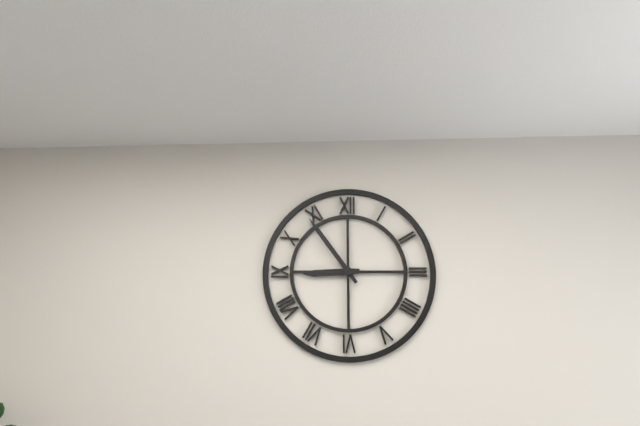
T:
8.54
